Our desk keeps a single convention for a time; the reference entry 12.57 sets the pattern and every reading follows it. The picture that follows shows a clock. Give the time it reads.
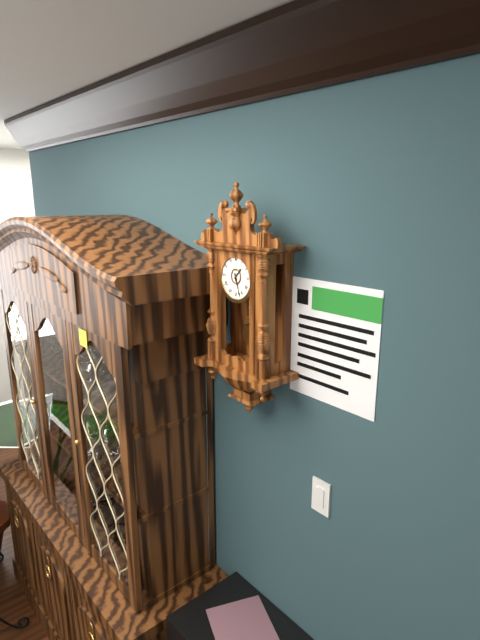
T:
1.27
